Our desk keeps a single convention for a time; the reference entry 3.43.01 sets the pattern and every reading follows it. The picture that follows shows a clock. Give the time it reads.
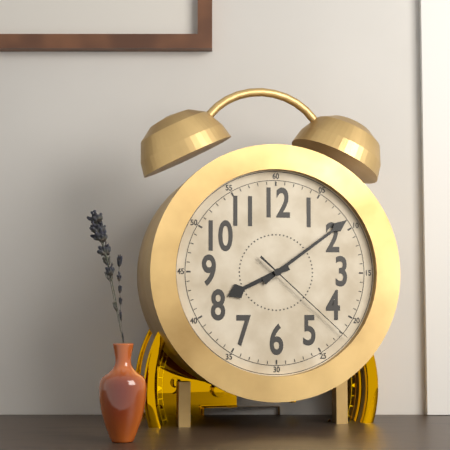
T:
8.09.22
